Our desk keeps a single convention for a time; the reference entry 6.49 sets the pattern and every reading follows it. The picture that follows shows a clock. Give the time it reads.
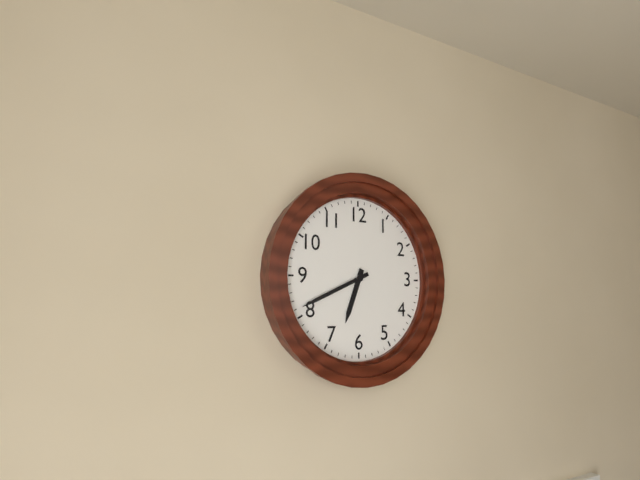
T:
6.41
